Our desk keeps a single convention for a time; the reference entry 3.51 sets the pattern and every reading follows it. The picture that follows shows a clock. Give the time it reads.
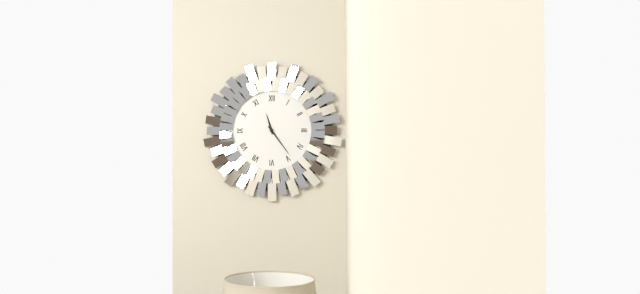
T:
11.24
